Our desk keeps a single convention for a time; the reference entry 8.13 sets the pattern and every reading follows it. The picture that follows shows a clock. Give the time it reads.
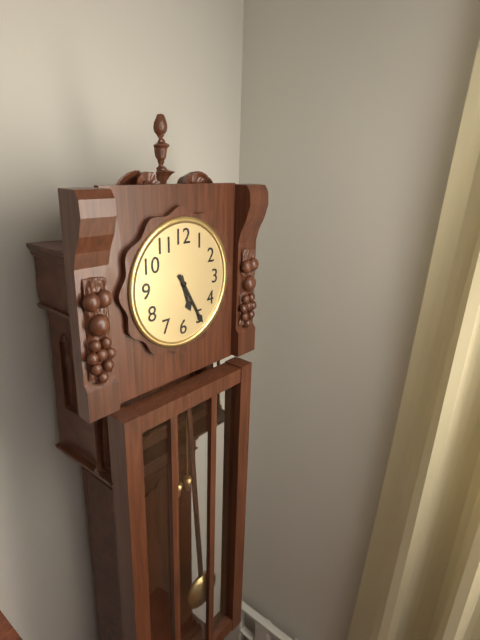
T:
5.25
